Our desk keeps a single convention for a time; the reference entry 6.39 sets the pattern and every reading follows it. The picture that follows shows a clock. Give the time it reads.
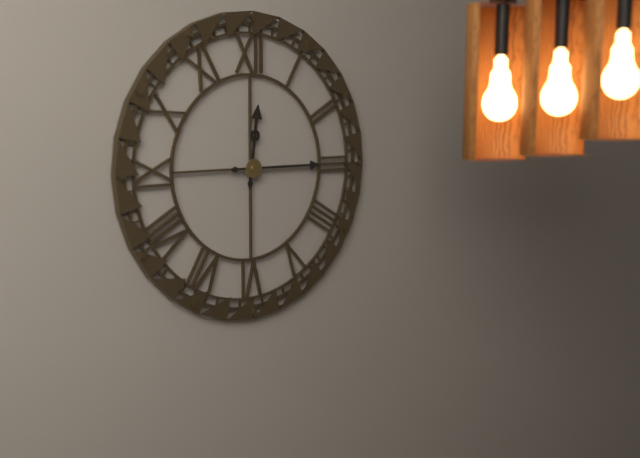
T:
12.15
